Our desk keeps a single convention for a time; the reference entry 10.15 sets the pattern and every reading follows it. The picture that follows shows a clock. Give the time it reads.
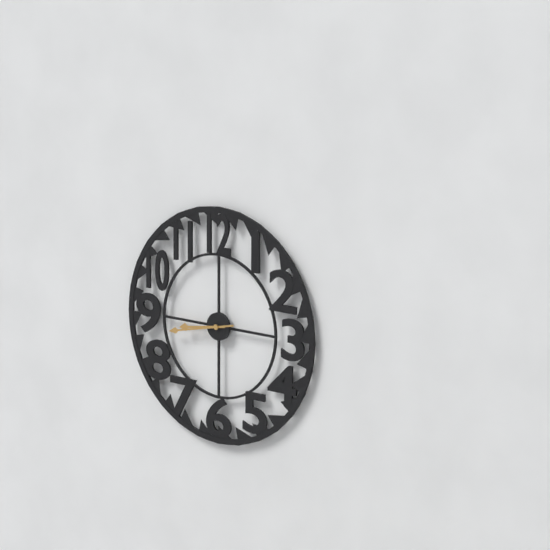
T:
8.43
